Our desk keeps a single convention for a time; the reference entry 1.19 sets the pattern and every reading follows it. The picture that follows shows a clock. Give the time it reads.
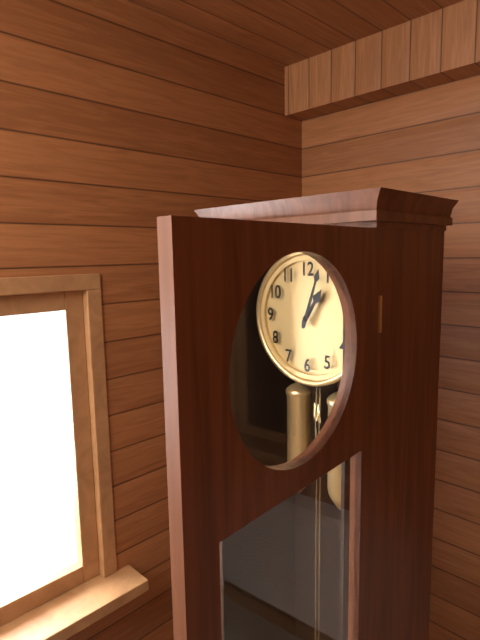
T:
1.03
